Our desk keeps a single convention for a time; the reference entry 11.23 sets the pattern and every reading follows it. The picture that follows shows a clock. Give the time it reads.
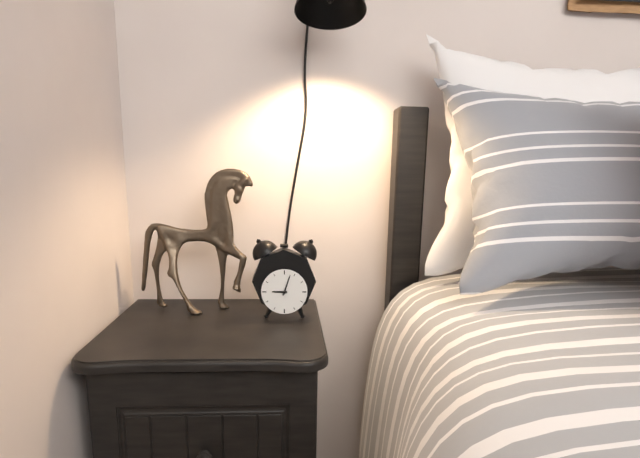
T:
9.03
